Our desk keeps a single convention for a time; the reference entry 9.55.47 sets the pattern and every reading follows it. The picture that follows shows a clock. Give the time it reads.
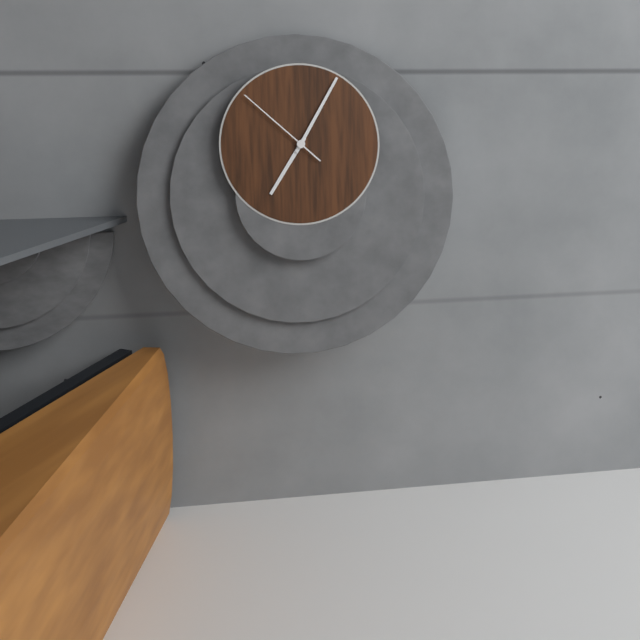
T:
7.05.52
